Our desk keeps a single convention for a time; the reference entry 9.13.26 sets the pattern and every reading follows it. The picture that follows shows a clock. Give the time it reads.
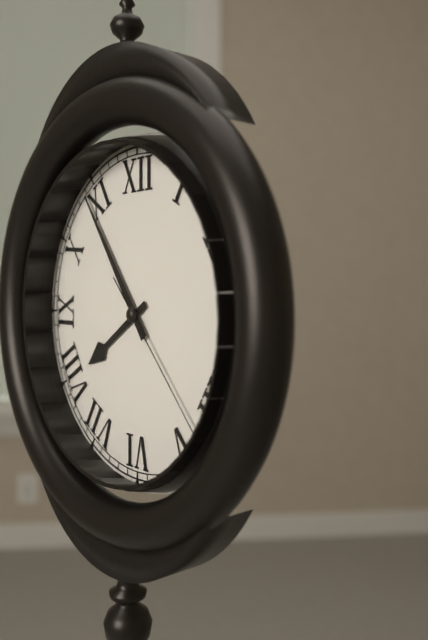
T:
7.54.23
